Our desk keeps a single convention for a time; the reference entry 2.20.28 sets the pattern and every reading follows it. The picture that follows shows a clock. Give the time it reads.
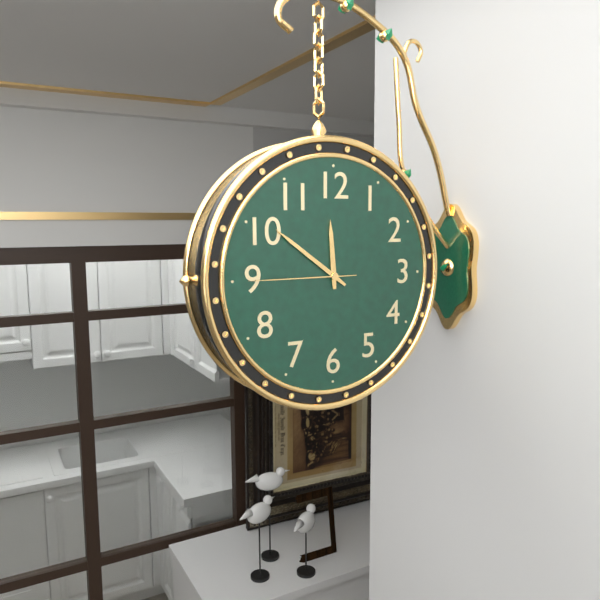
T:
11.51.45
